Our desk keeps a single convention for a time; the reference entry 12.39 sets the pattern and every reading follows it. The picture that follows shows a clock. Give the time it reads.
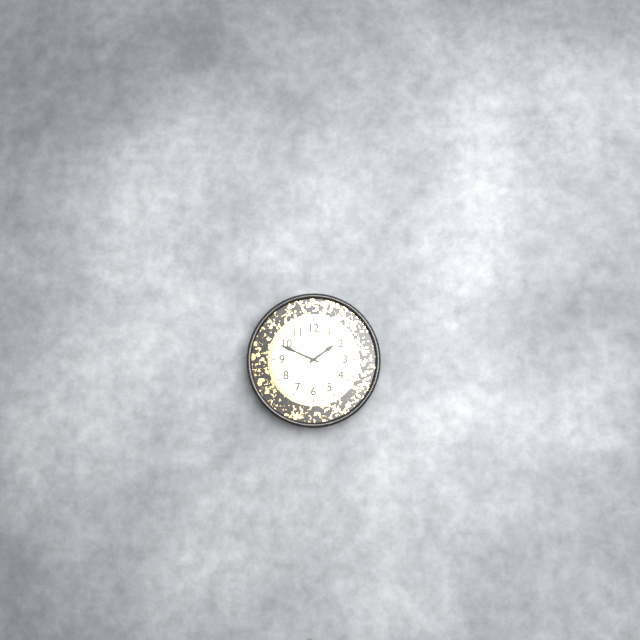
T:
1.49
